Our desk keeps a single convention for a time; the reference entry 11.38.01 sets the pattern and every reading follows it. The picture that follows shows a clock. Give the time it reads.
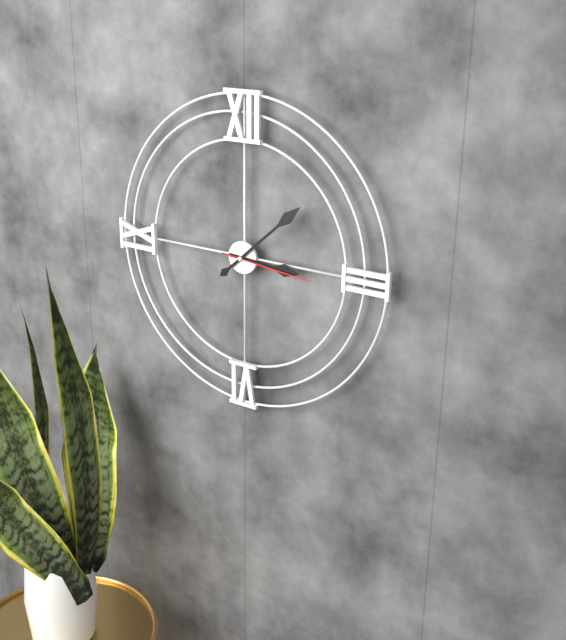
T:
3.08.16
